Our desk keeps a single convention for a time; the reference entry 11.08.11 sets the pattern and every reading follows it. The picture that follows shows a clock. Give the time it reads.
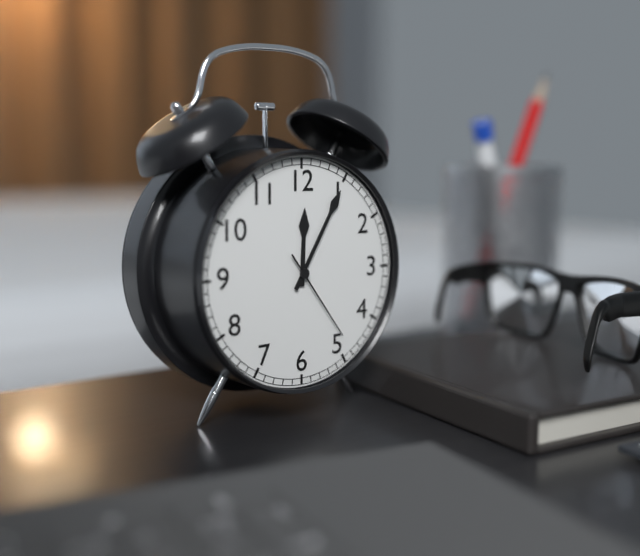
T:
12.05.24
